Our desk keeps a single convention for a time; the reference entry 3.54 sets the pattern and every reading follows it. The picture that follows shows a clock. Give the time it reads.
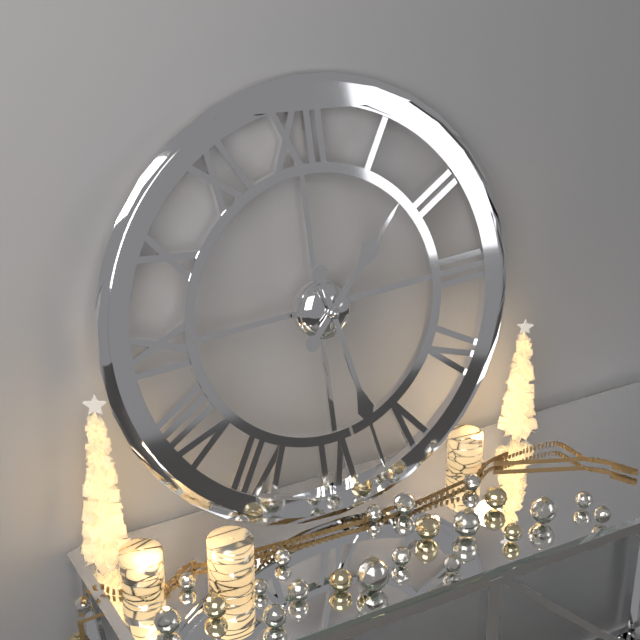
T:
1.28
